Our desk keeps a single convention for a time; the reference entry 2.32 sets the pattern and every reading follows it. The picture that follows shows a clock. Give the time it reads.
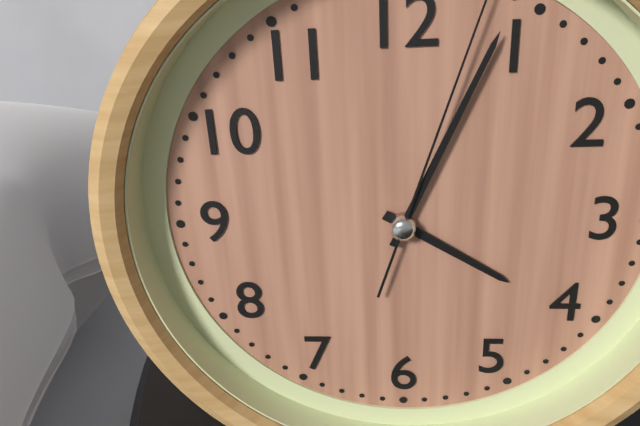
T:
4.04
